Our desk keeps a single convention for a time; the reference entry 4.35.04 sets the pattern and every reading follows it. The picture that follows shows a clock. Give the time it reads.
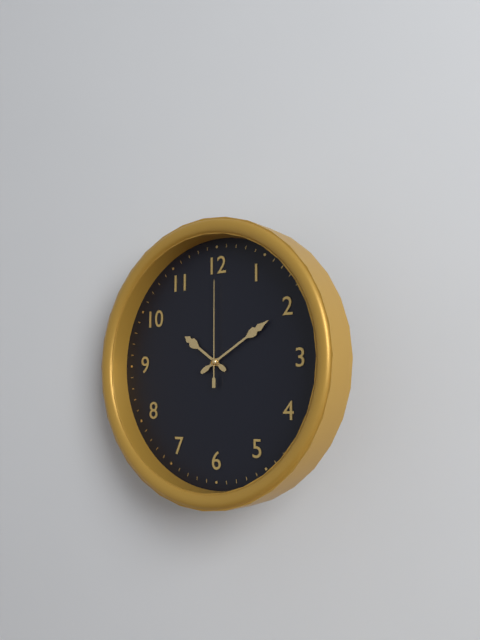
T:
10.10.00
